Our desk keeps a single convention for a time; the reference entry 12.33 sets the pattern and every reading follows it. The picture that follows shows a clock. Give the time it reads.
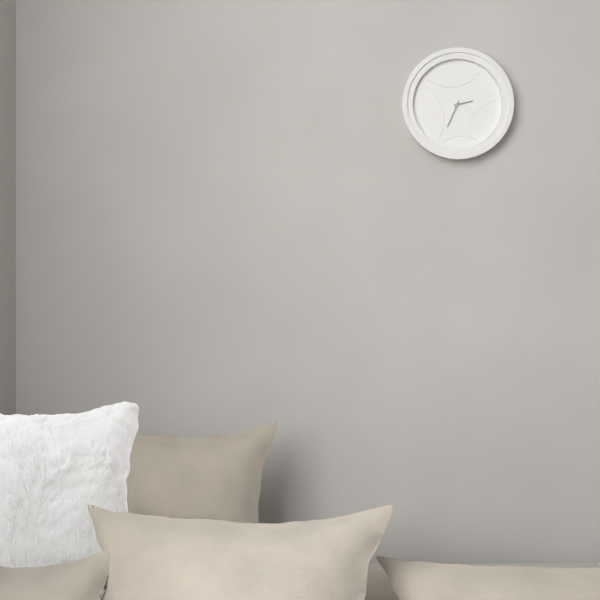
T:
2.34
